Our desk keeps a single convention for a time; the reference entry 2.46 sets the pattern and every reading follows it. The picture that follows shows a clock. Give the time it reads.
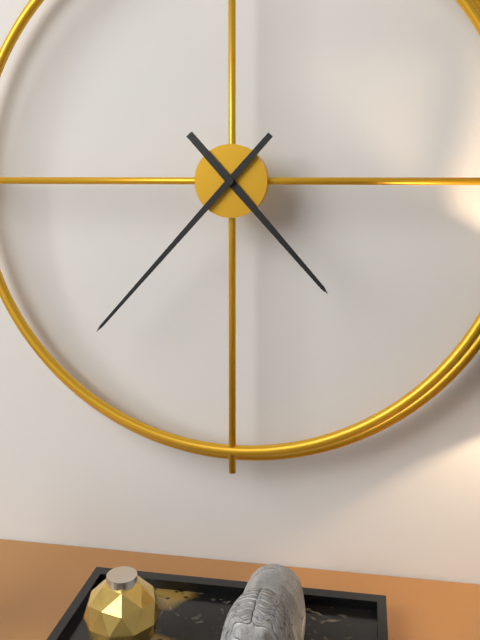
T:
4.37
